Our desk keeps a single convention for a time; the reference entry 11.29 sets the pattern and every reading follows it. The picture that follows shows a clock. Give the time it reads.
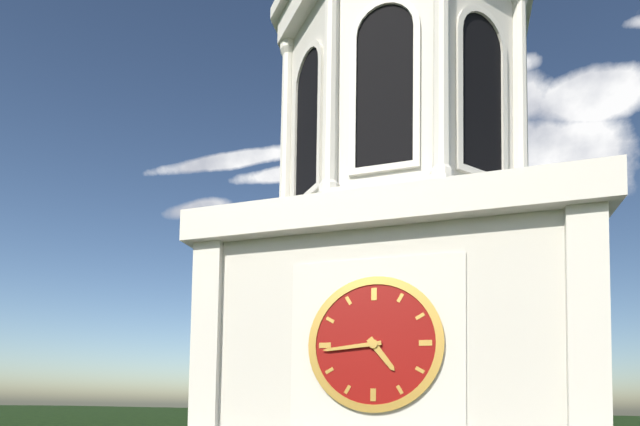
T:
4.44
